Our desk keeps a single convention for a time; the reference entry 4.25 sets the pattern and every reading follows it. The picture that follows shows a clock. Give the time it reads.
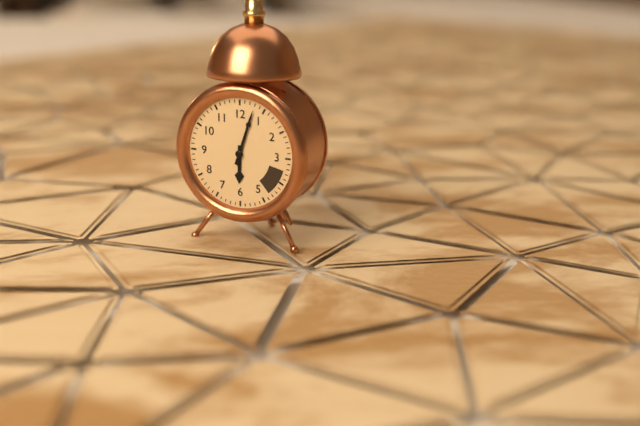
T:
6.03
